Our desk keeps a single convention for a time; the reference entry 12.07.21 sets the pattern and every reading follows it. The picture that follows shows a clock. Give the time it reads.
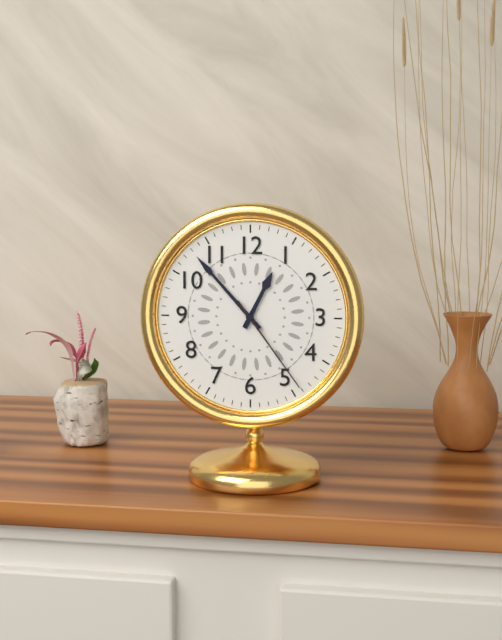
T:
12.53.24
